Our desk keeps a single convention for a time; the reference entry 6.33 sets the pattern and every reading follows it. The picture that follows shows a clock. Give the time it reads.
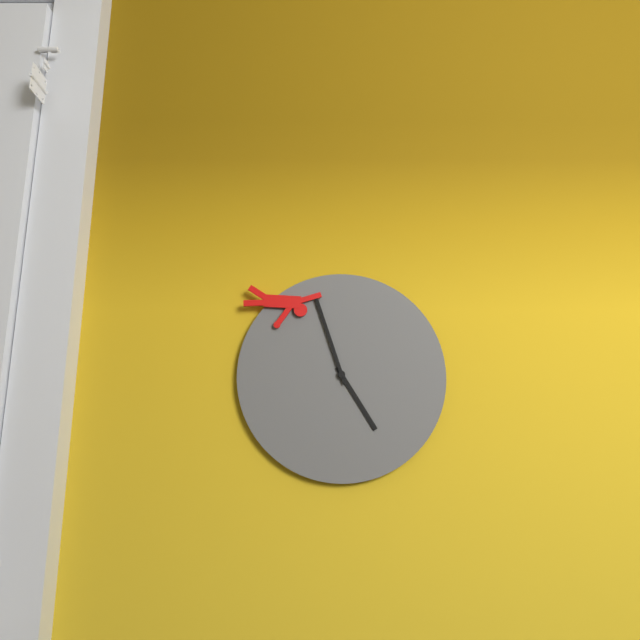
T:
4.57
